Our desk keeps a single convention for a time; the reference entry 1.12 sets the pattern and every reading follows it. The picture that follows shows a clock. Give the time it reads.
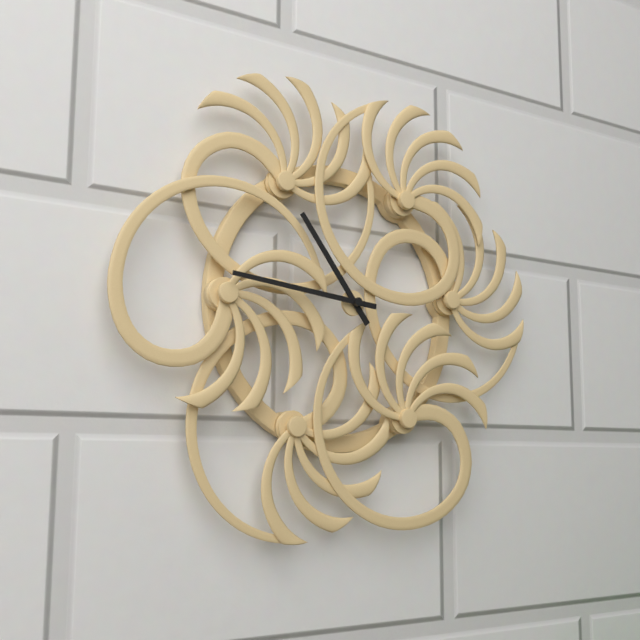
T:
10.46
